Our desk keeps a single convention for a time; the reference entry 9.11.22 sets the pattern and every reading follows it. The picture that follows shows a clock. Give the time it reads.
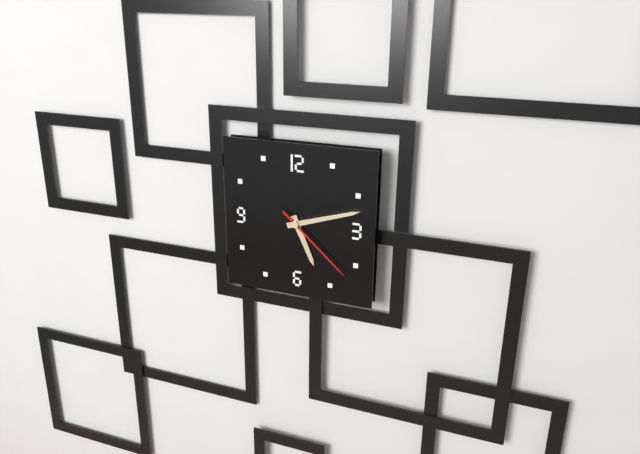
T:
5.12.22
